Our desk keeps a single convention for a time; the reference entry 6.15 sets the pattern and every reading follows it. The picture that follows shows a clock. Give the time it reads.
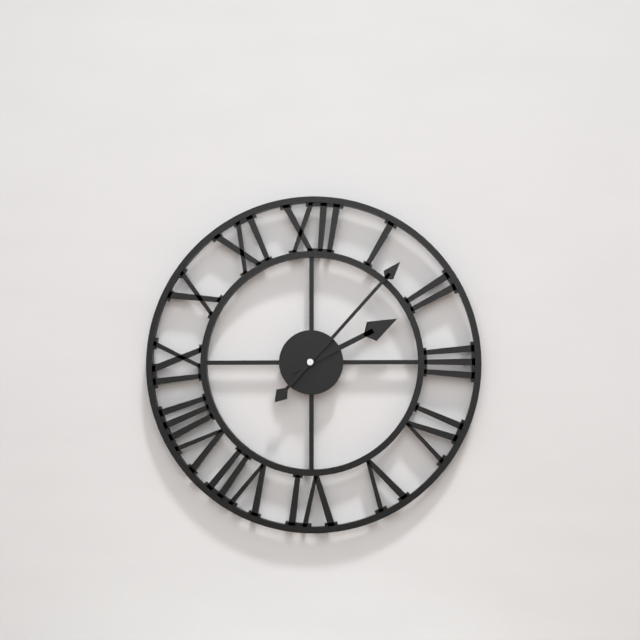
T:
2.07
